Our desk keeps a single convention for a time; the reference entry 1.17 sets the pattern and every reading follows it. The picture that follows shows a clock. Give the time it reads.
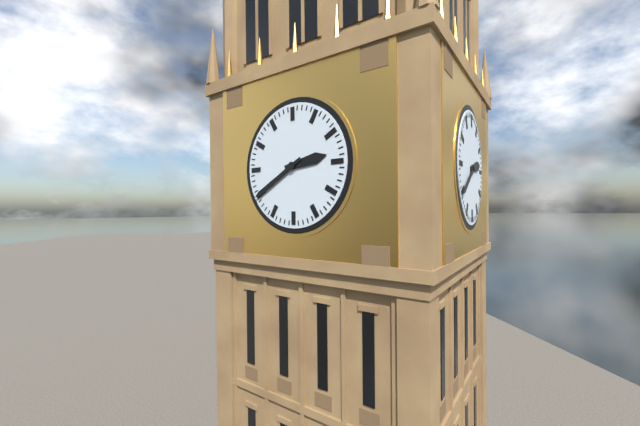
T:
2.40
